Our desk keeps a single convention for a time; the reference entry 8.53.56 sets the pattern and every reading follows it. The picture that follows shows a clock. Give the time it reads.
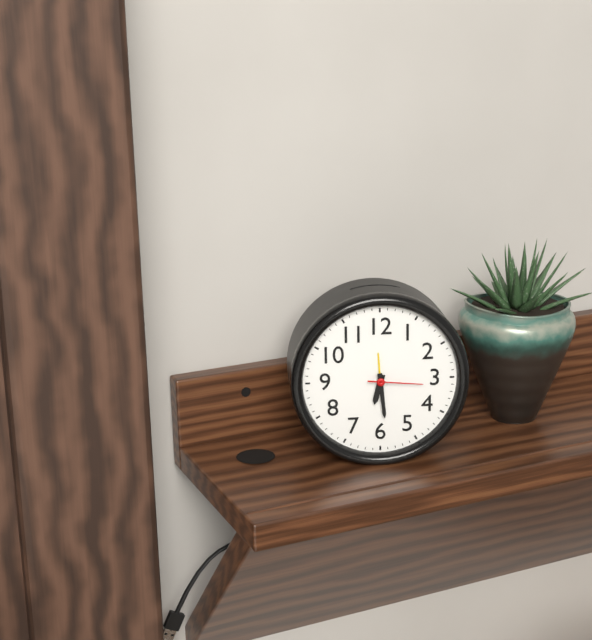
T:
6.29.16
